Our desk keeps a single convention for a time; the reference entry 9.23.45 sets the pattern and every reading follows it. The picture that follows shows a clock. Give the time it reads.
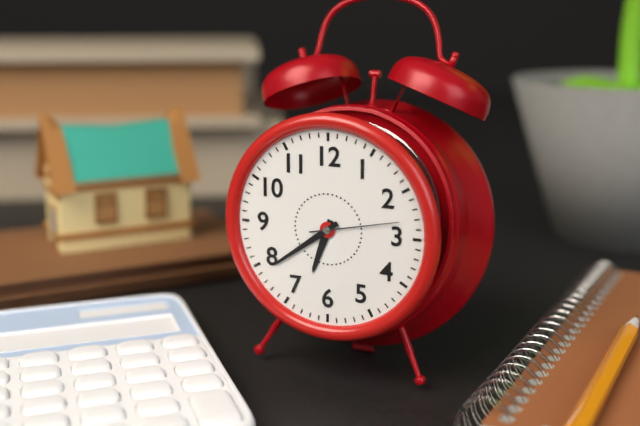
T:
6.39.13
